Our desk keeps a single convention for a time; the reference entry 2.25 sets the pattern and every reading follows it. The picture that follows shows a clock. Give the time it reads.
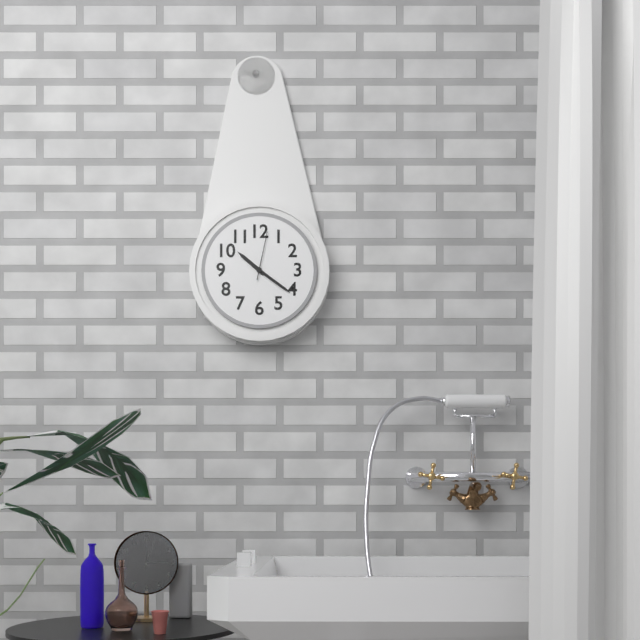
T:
10.21
